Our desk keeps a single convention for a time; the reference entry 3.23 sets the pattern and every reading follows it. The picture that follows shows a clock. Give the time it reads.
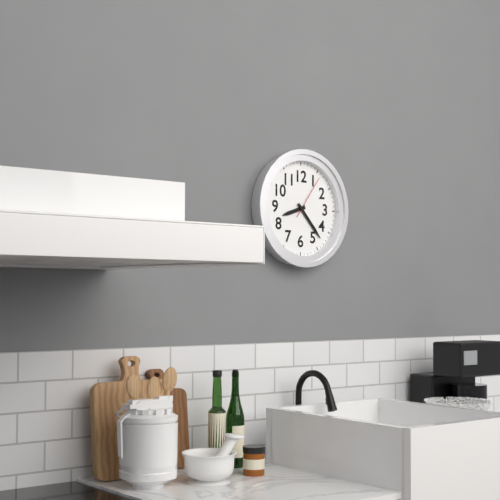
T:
8.23
